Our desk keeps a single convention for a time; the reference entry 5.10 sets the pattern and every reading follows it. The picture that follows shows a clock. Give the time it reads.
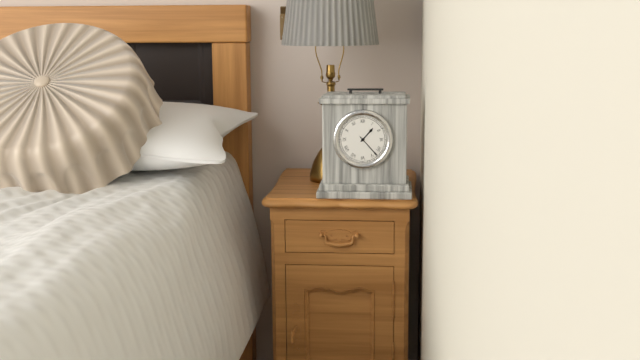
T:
1.23
